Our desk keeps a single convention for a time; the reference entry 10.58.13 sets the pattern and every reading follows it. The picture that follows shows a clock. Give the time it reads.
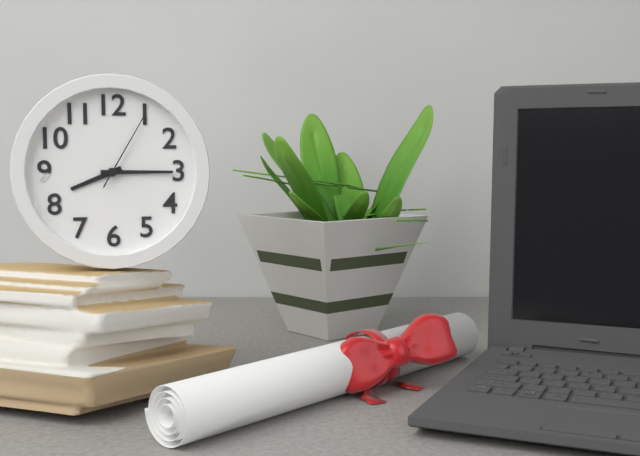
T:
8.15.05
